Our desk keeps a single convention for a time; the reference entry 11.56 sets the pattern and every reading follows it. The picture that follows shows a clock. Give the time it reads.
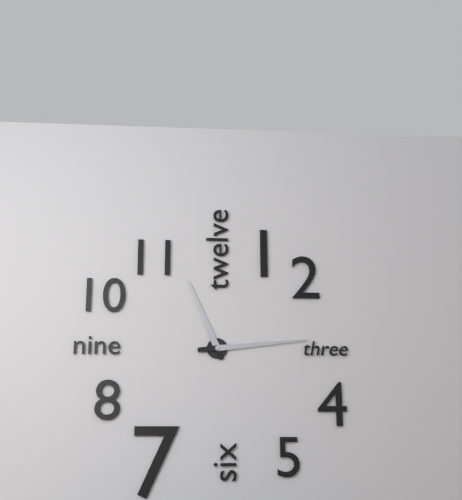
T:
11.14
